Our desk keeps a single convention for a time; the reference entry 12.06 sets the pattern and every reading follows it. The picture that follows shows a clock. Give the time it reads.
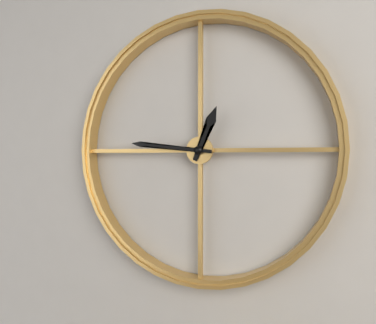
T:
12.46
